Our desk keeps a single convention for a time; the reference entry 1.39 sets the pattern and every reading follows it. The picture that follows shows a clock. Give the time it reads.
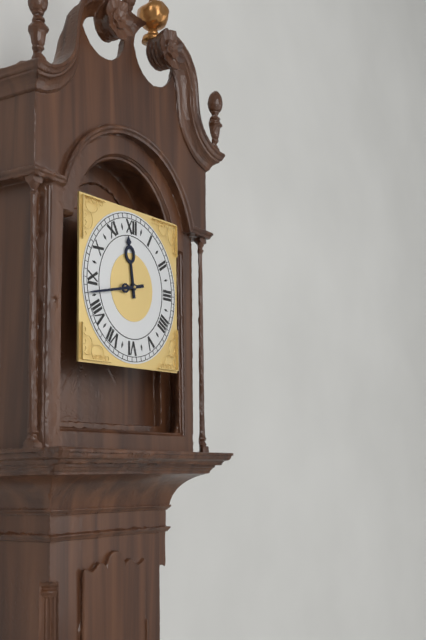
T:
11.43
